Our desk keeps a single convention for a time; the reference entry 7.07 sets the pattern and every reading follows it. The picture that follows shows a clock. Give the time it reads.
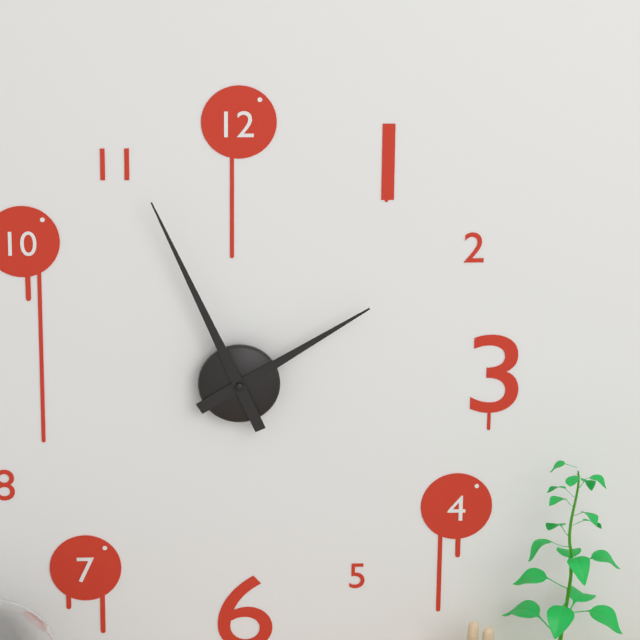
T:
1.56
